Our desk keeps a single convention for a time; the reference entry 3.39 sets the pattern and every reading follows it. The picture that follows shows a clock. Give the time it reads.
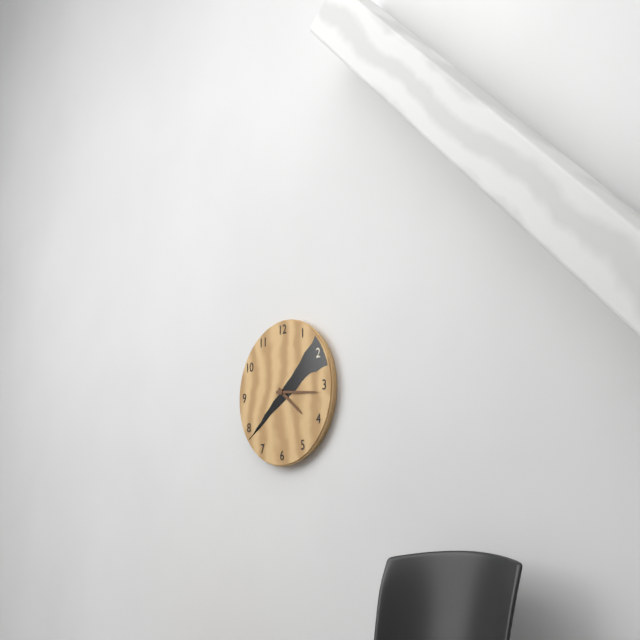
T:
4.16
